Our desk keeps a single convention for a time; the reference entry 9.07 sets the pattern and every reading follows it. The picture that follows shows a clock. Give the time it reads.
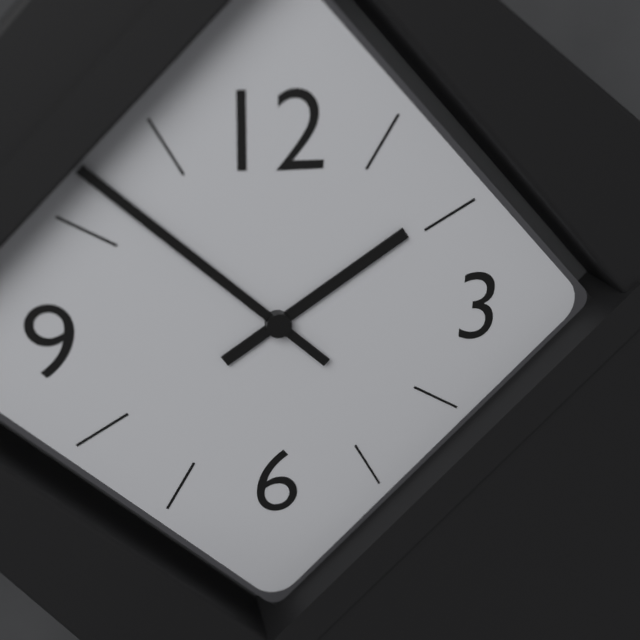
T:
1.52
